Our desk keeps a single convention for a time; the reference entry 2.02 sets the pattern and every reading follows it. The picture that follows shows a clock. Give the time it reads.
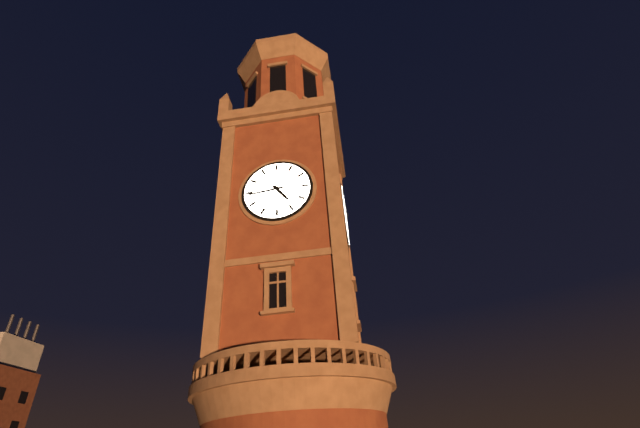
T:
4.44
